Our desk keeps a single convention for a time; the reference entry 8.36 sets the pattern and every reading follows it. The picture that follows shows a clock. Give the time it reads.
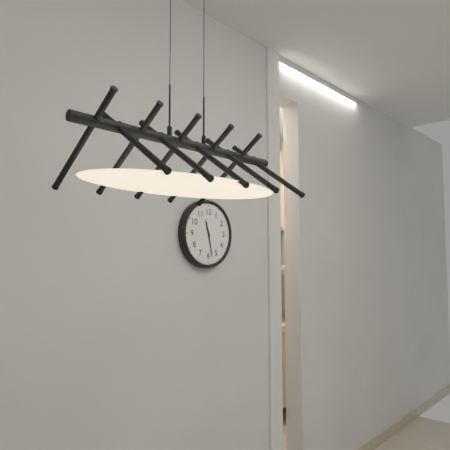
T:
11.28
